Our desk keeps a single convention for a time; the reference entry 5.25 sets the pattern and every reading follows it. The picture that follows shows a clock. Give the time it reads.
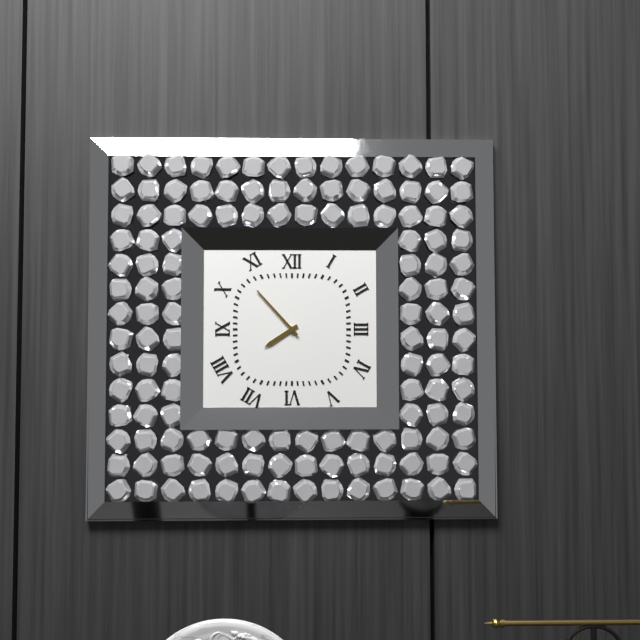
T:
7.53
